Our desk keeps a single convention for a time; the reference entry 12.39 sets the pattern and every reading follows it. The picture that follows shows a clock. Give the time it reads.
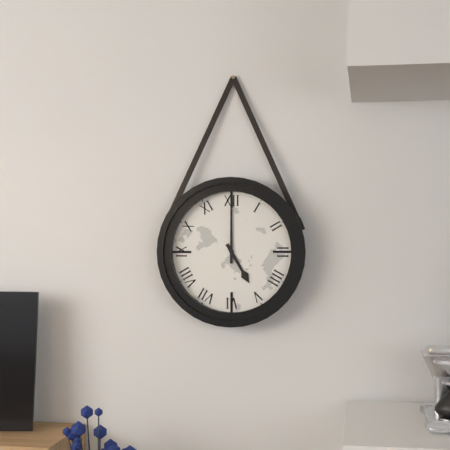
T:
5.00
